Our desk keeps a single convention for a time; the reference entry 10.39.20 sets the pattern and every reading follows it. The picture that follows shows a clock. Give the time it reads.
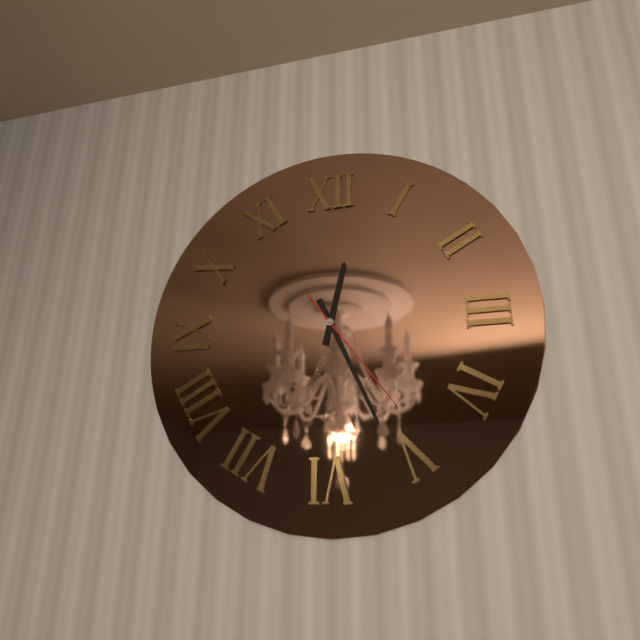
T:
12.26.24
